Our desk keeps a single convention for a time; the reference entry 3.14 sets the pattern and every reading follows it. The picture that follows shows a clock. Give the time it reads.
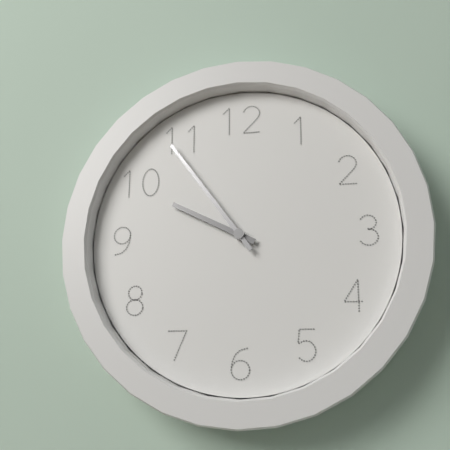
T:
9.54
